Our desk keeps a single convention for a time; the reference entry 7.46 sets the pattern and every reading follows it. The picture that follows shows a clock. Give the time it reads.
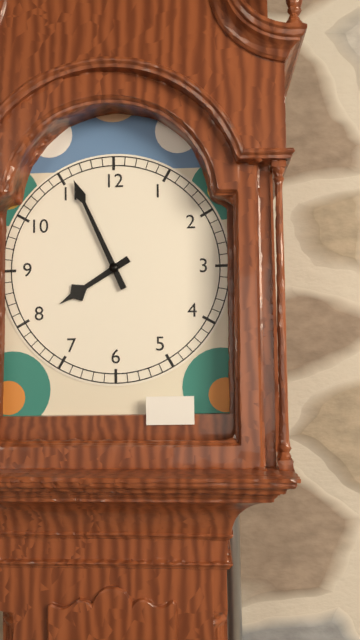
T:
7.56
